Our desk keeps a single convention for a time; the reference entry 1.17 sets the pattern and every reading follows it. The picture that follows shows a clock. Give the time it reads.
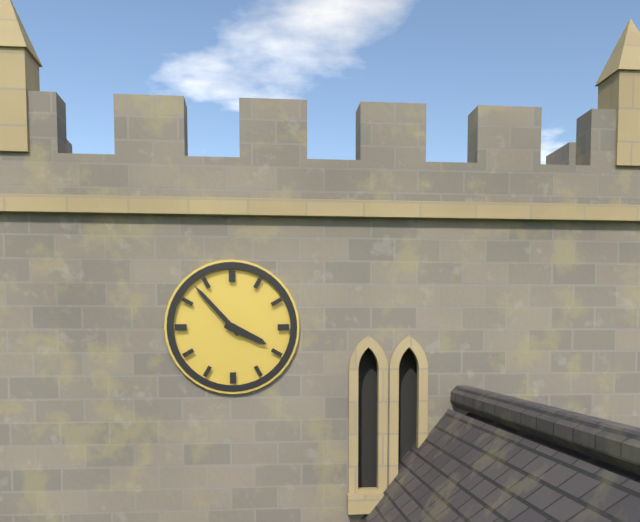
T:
3.53
